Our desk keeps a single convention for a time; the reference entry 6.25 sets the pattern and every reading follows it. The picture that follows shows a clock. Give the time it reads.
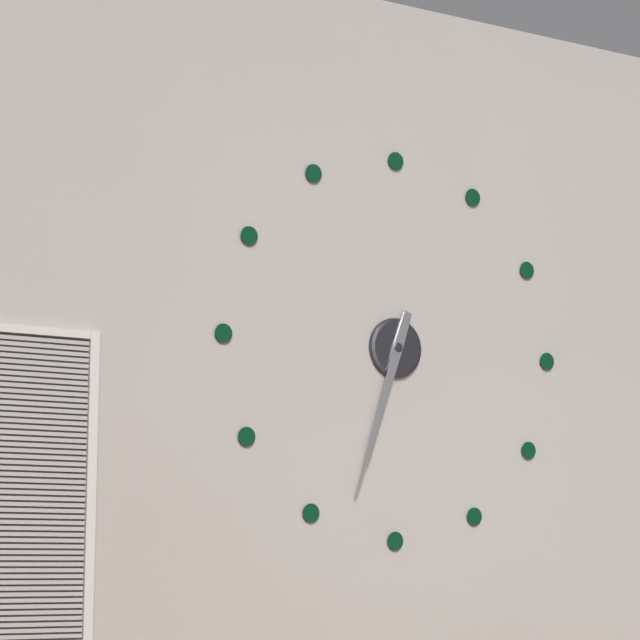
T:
6.33
